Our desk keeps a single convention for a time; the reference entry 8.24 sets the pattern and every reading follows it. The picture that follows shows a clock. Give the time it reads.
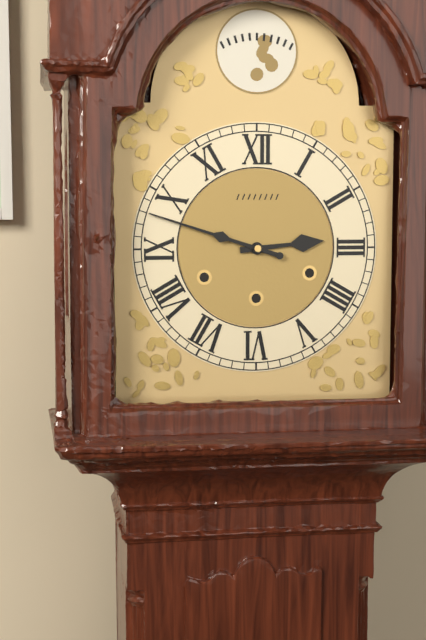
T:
2.48
